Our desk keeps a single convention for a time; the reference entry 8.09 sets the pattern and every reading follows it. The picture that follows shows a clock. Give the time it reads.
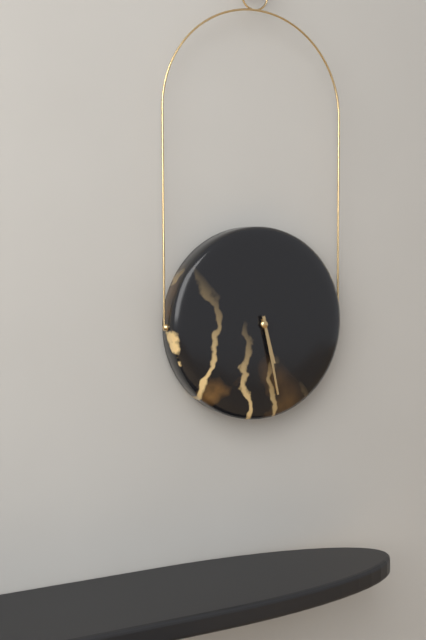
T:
5.28
